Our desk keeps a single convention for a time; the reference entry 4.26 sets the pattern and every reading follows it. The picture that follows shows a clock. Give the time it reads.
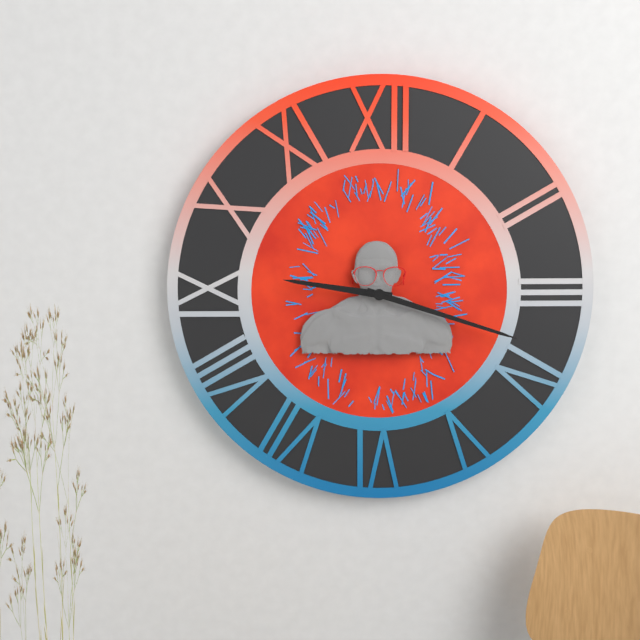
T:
9.18
